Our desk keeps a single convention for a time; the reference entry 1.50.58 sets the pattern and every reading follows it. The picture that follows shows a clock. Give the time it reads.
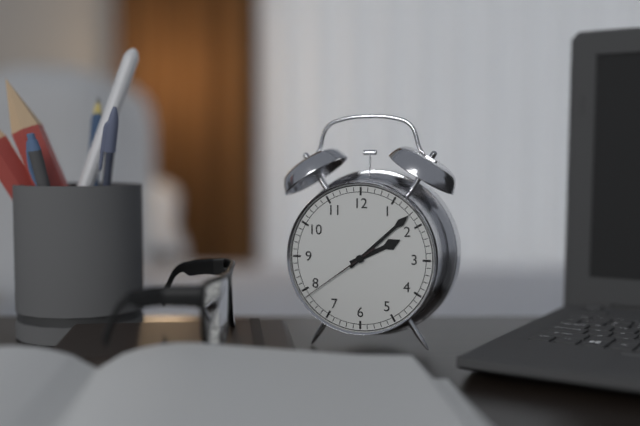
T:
2.08.39
